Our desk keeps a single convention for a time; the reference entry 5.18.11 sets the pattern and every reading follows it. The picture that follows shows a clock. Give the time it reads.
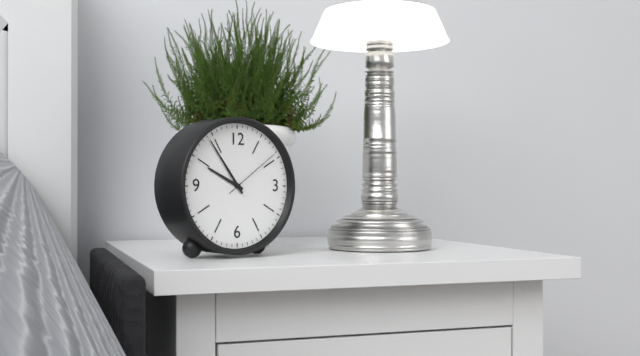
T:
9.54.09
